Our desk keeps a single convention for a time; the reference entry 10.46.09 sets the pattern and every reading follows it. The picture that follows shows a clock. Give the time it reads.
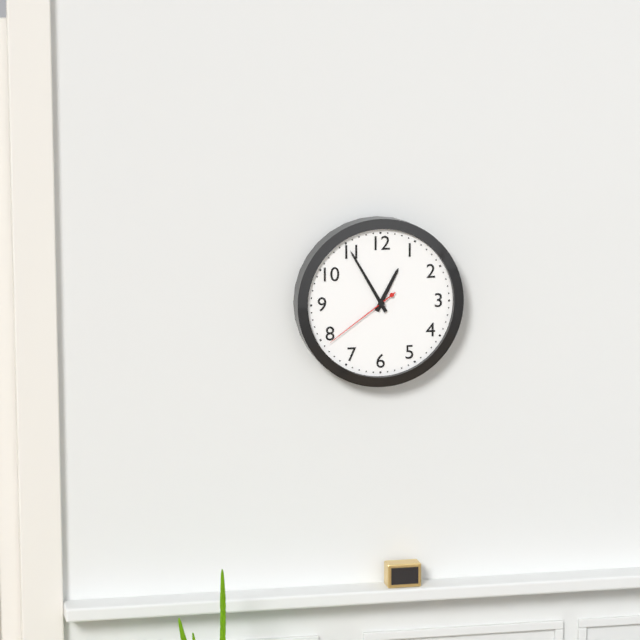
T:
12.55.39
